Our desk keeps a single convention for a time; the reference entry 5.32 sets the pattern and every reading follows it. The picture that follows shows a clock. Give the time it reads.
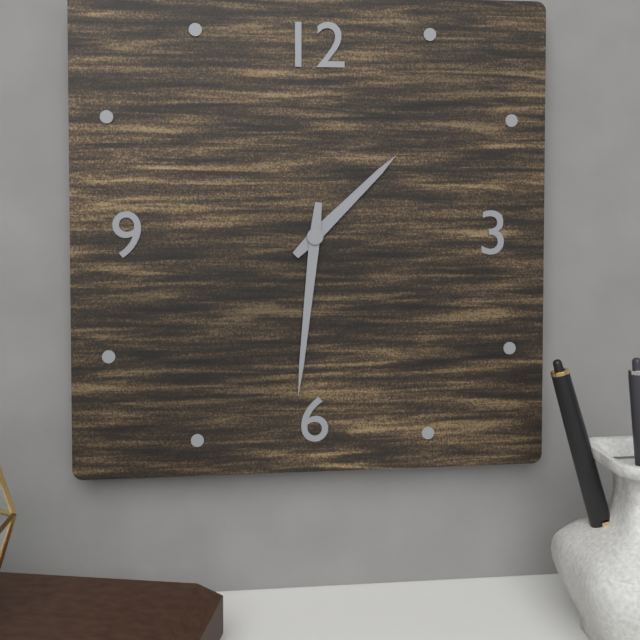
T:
1.31
